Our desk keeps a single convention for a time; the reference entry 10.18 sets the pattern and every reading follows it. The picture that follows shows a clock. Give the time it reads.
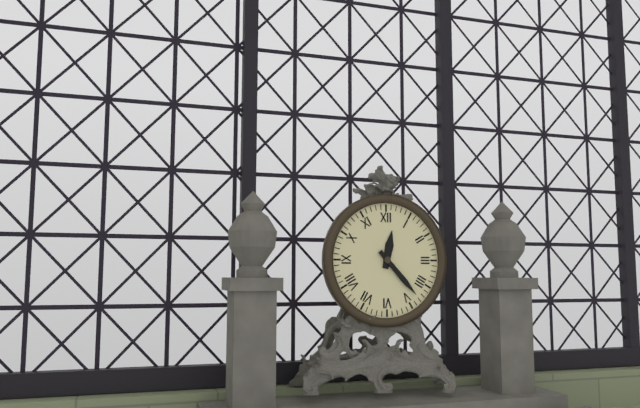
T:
12.23
